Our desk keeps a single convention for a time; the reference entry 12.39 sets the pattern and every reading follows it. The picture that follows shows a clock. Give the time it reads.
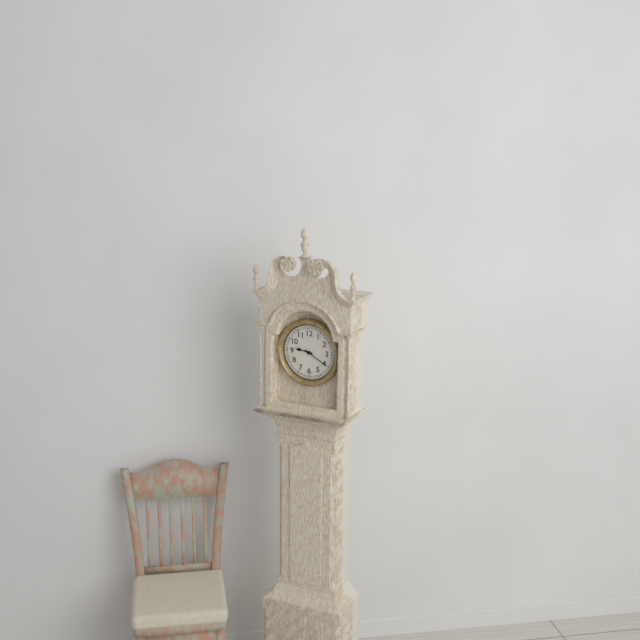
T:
9.20
